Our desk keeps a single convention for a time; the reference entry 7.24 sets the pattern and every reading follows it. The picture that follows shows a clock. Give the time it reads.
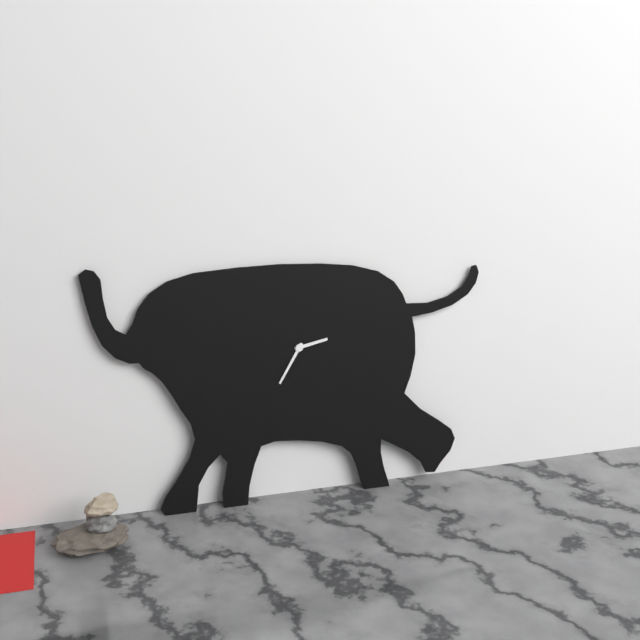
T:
2.35
